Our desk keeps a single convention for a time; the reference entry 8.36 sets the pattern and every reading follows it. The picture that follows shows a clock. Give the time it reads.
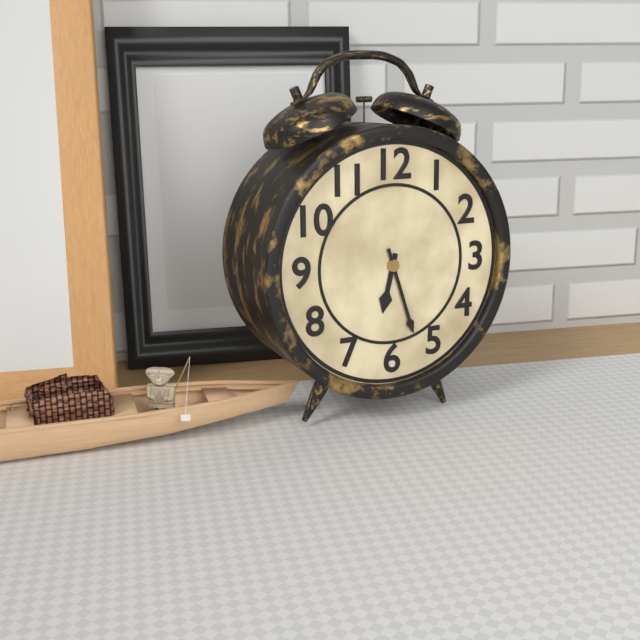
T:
6.27
